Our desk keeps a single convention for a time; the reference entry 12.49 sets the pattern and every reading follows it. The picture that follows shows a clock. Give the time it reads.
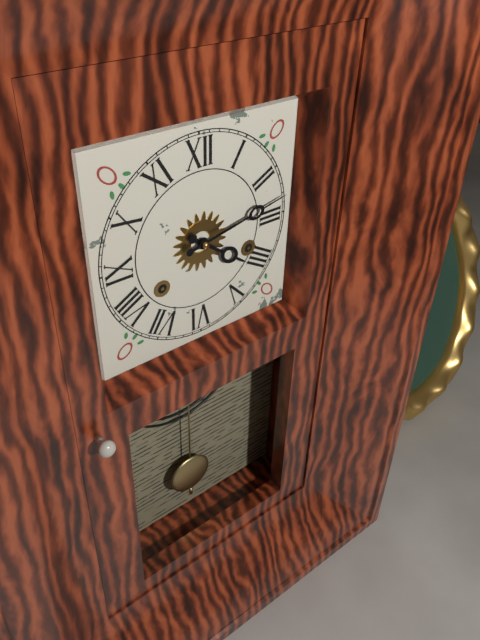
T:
4.13
